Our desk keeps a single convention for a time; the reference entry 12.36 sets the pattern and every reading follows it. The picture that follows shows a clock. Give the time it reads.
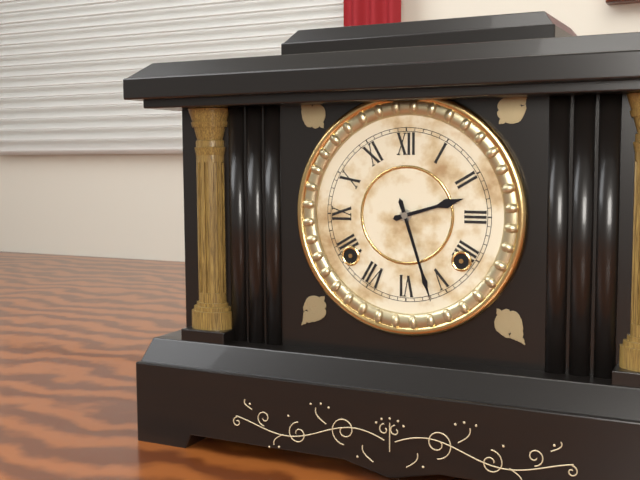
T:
2.27
